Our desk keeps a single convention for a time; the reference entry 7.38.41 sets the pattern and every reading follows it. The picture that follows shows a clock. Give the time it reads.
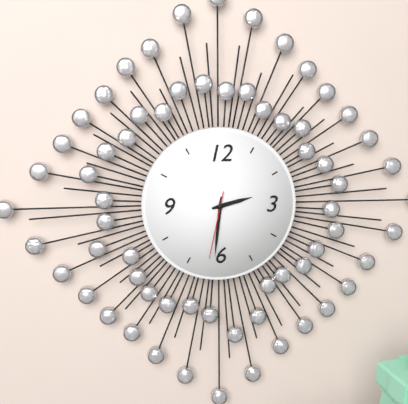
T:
2.31.32
